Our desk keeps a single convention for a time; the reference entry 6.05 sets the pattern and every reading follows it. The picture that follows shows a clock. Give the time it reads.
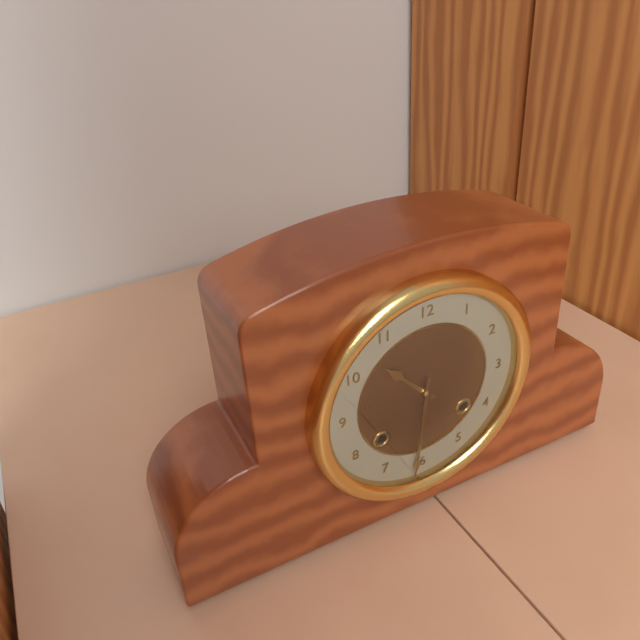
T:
10.31
